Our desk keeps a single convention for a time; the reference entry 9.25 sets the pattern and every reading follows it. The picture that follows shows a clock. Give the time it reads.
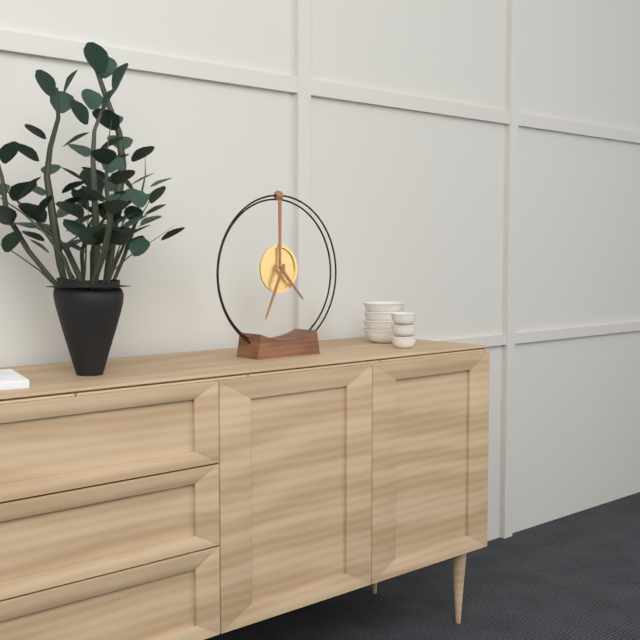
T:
4.34
